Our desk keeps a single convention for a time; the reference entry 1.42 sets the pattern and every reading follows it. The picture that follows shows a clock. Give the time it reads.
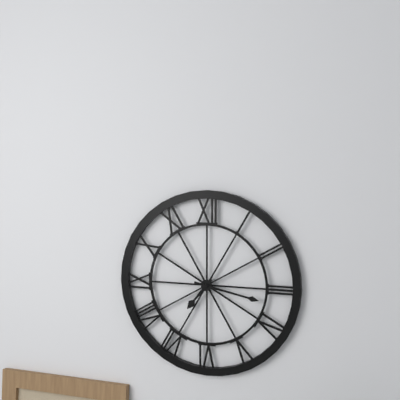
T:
7.17
